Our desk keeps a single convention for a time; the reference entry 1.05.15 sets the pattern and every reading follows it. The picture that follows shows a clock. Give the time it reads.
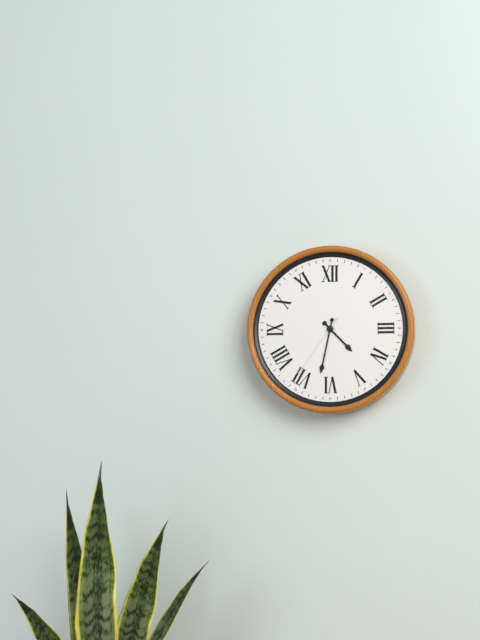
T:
4.32.36
